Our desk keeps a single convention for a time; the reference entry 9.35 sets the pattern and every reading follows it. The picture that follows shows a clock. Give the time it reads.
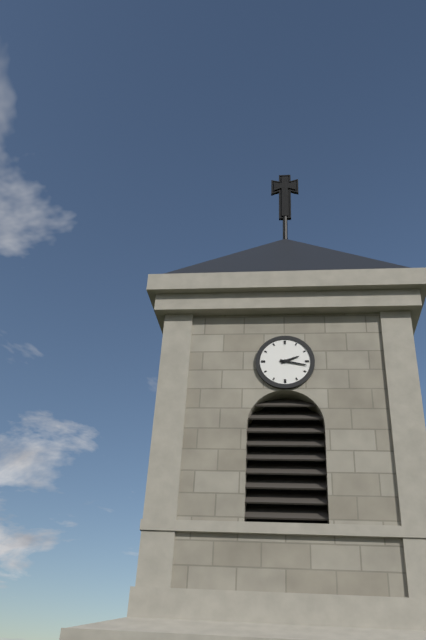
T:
2.17
